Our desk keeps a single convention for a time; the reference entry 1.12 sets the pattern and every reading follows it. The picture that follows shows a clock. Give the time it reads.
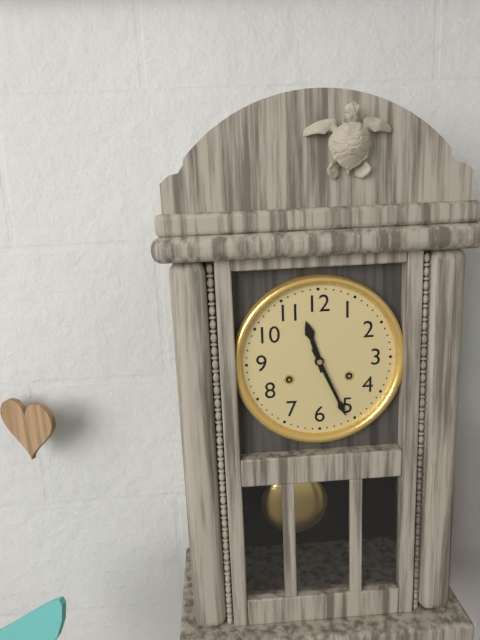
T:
11.26
